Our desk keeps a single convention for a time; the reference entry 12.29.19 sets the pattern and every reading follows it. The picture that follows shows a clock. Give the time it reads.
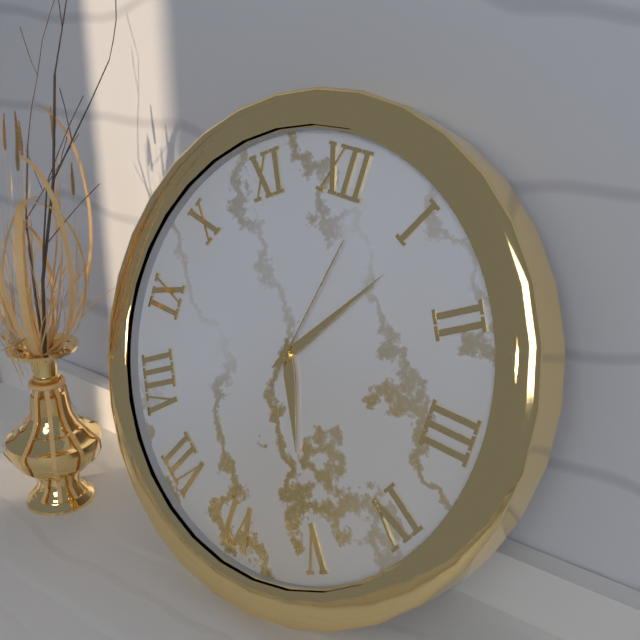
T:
5.06.02
